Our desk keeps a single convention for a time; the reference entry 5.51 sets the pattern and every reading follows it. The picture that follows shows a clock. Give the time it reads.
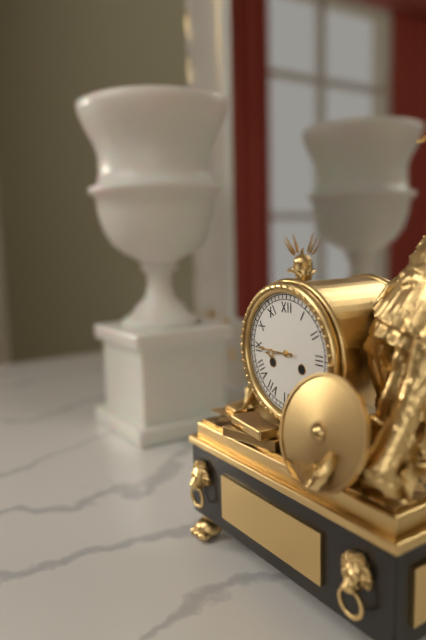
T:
8.45
